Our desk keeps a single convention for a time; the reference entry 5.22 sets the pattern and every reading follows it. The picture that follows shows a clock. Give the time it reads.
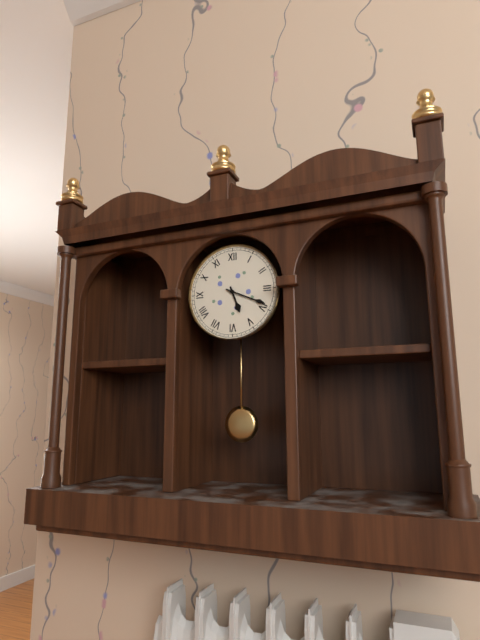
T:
5.19
